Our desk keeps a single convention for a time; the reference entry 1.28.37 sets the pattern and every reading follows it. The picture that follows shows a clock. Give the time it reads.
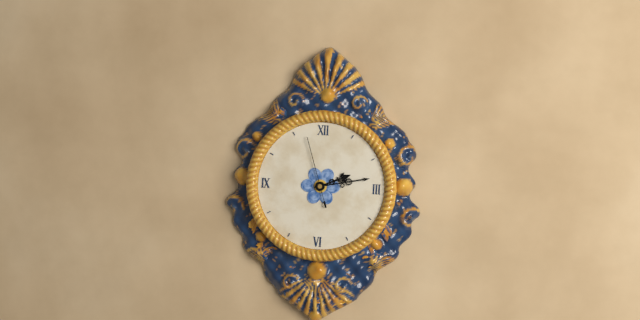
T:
2.13.57
